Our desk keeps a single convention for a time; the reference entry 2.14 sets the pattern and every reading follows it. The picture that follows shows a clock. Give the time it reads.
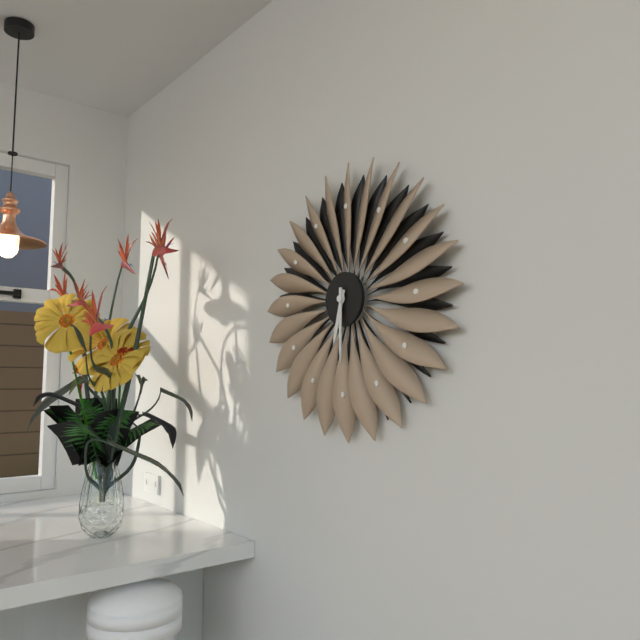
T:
6.30
